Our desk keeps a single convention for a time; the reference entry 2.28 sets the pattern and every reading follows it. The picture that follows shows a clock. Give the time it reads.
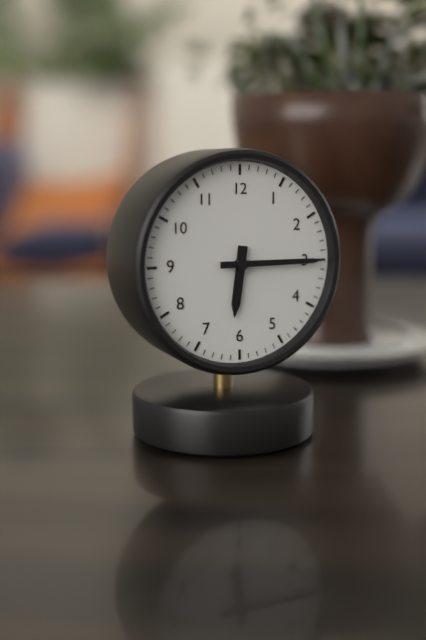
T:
6.15
